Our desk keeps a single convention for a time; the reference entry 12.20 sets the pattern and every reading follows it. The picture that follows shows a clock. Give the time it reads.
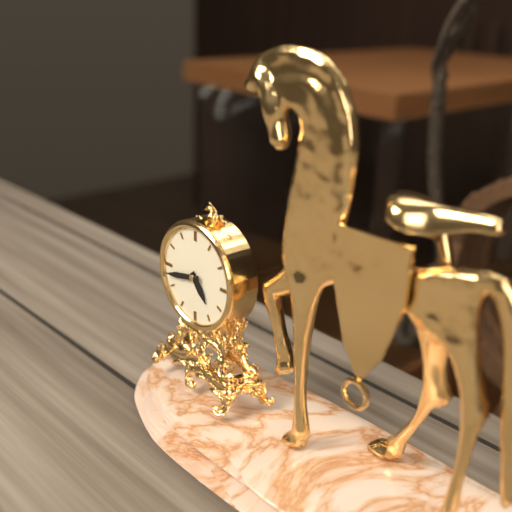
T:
4.43
